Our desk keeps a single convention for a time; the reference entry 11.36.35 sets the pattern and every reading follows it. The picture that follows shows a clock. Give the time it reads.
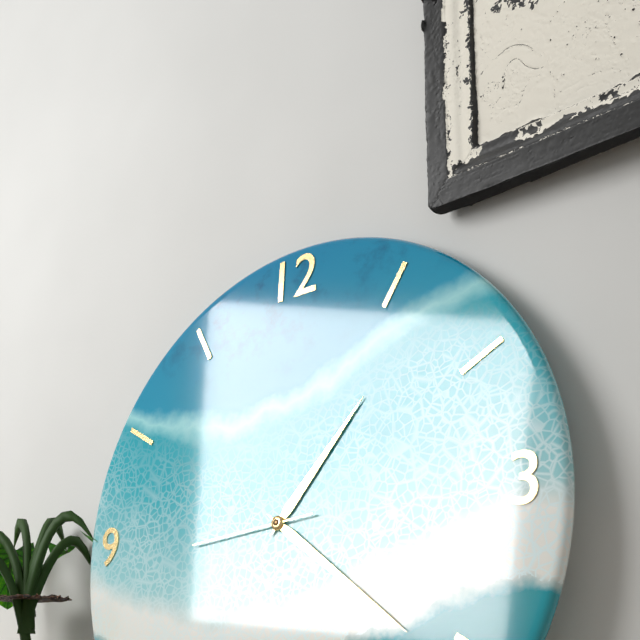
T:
1.21.44
